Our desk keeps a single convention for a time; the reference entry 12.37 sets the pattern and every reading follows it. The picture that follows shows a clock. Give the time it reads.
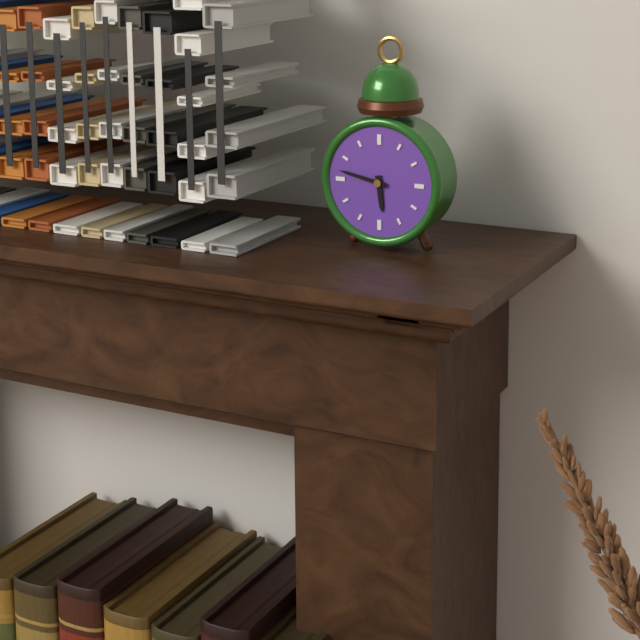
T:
5.47
